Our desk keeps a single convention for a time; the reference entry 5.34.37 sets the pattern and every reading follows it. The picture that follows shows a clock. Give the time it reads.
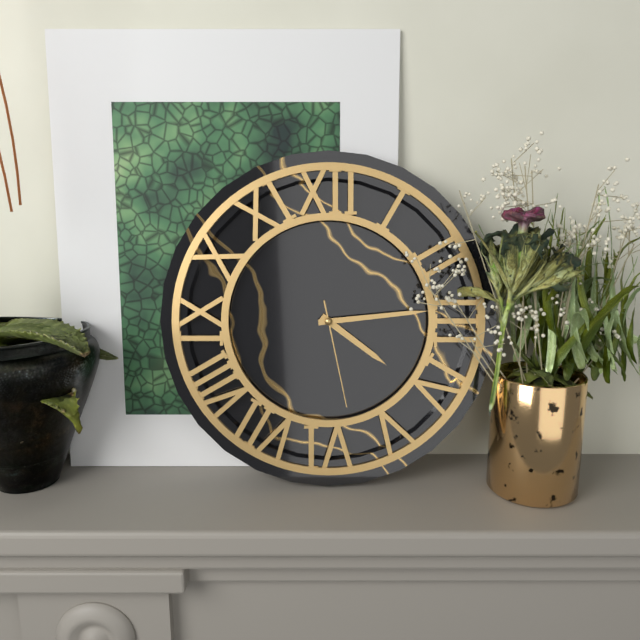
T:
4.14.28
